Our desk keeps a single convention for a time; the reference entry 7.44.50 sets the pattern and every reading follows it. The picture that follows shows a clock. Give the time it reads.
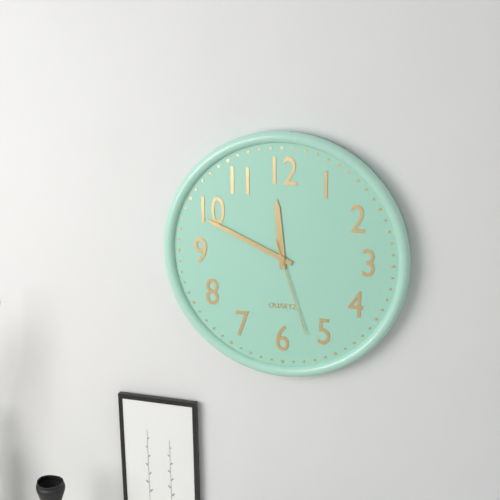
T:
11.49.27
